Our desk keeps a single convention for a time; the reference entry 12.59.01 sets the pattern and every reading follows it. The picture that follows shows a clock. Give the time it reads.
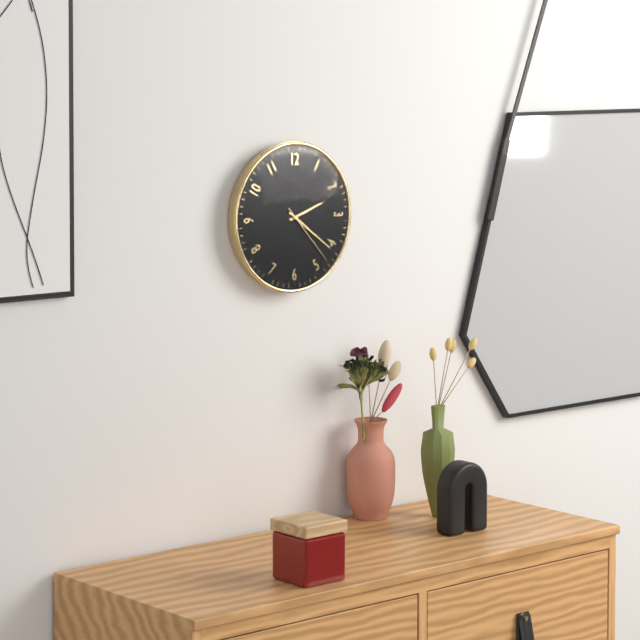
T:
2.21.23
